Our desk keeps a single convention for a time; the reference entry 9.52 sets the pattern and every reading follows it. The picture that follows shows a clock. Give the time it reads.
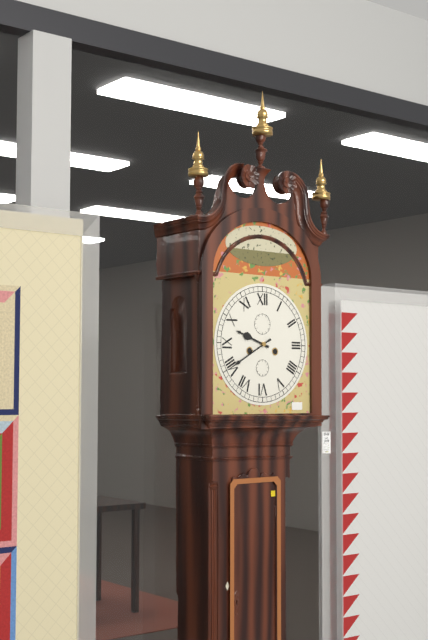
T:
9.40
